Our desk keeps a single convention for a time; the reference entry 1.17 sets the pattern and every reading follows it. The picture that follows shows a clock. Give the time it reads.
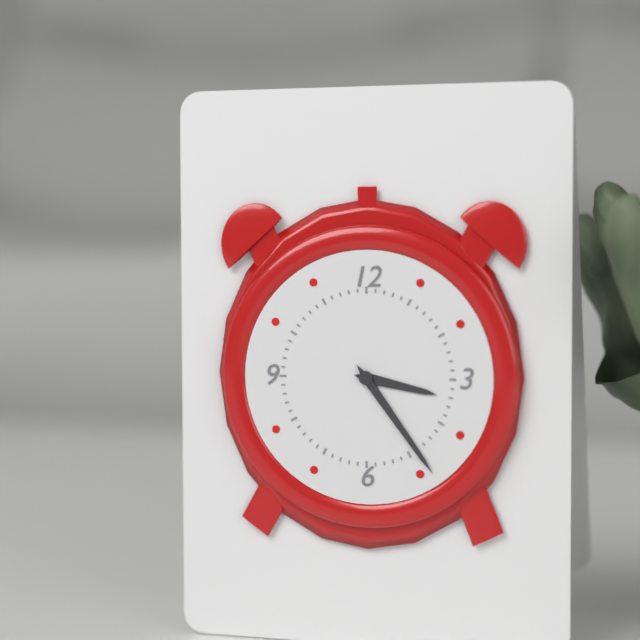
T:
3.24
